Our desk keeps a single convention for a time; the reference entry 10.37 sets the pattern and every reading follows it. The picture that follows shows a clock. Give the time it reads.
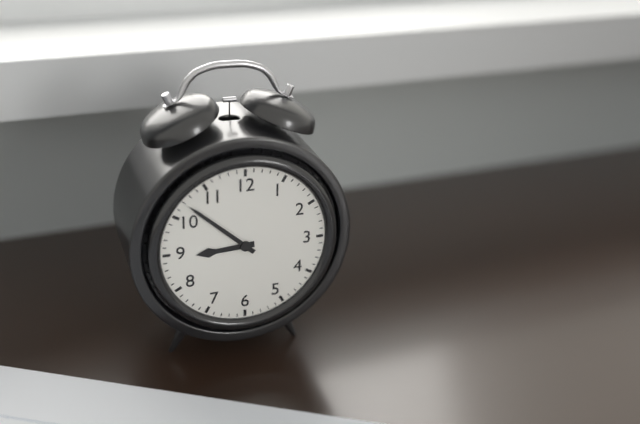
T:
8.52
